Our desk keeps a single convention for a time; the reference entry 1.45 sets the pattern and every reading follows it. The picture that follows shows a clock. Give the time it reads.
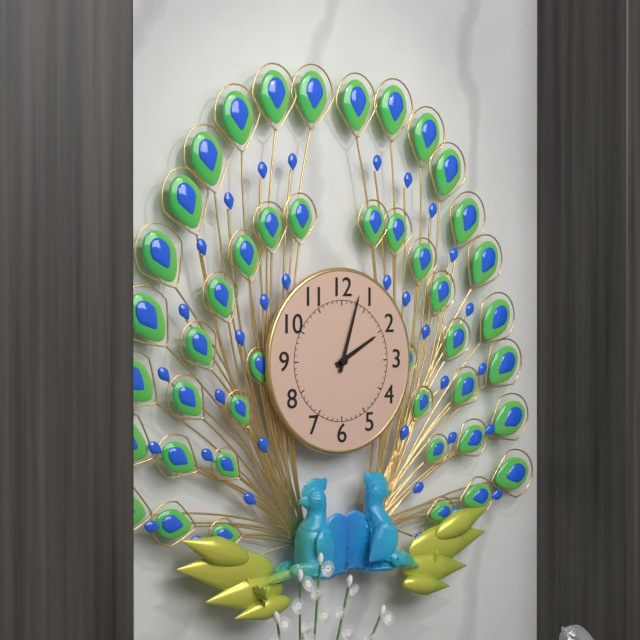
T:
2.03
